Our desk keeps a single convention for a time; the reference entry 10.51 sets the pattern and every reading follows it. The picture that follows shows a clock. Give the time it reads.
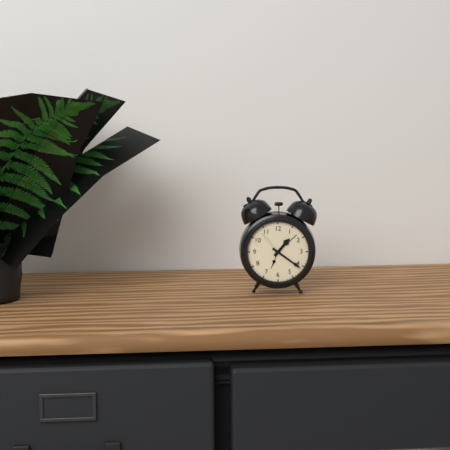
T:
1.21
